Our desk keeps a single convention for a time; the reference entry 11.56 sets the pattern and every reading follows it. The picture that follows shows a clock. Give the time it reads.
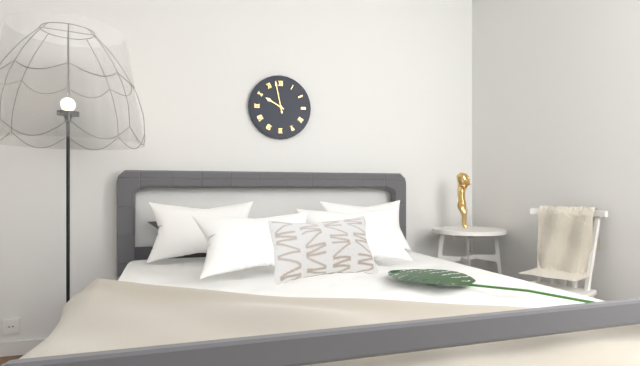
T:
9.58
